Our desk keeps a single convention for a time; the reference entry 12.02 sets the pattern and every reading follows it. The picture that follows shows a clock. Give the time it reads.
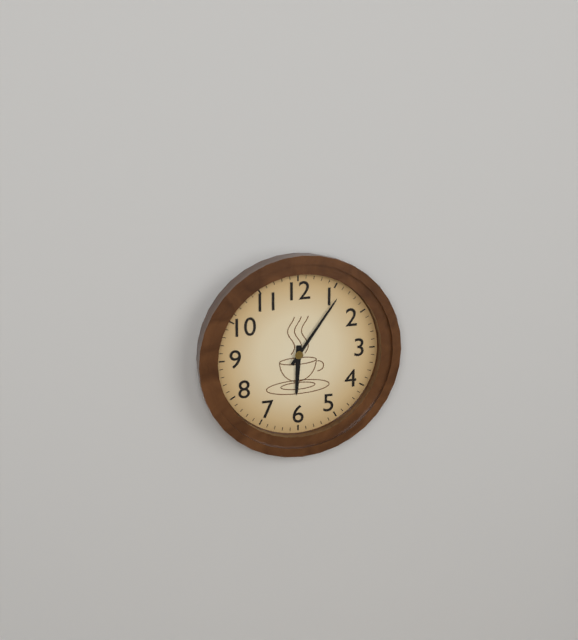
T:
6.06
